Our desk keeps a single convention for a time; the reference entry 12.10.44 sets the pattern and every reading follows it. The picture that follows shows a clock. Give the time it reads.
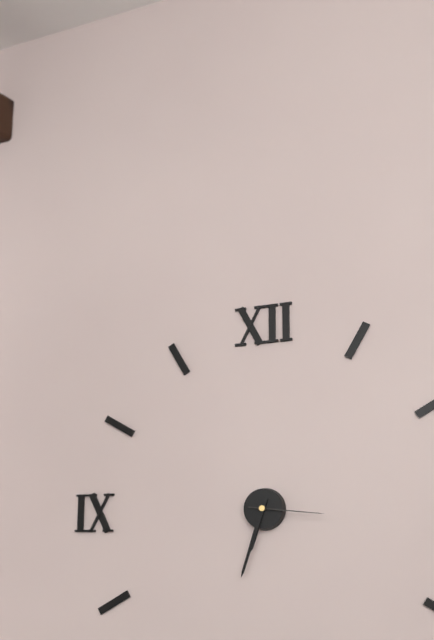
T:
6.33.16
